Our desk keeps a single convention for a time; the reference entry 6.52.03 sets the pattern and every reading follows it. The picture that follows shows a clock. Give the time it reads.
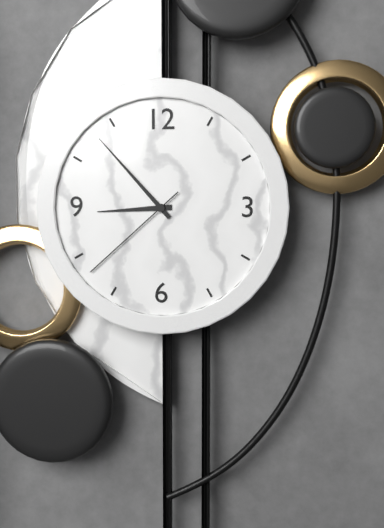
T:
8.53.38
